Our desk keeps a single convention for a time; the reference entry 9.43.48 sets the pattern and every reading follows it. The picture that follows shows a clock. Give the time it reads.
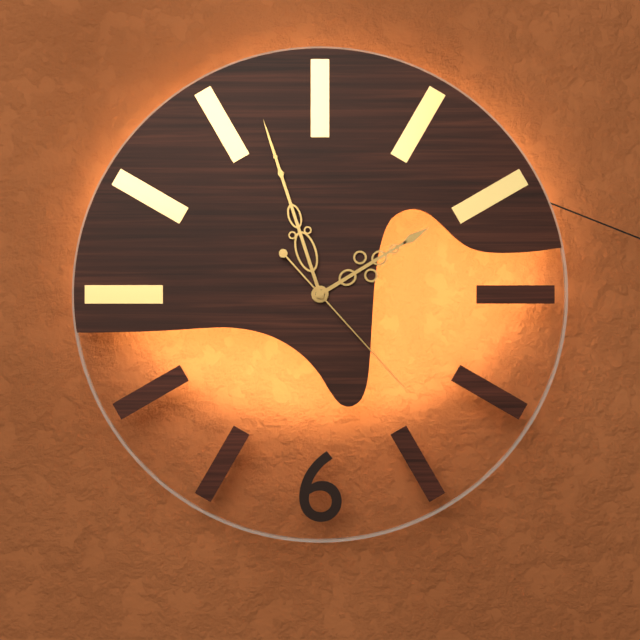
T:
1.57.23
